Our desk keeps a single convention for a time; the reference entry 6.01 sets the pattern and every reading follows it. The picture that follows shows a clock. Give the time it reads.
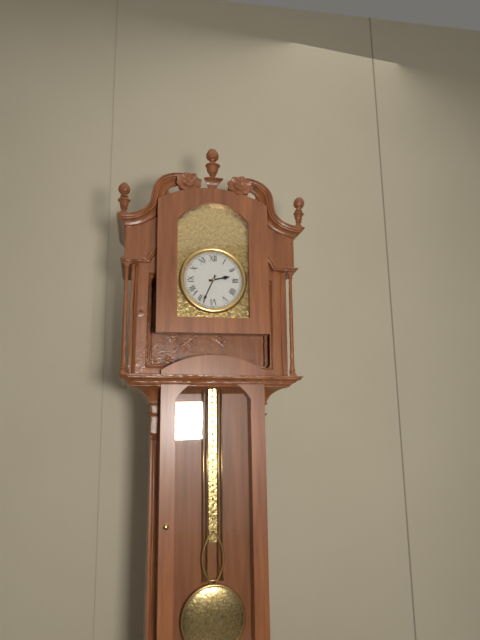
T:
2.34
